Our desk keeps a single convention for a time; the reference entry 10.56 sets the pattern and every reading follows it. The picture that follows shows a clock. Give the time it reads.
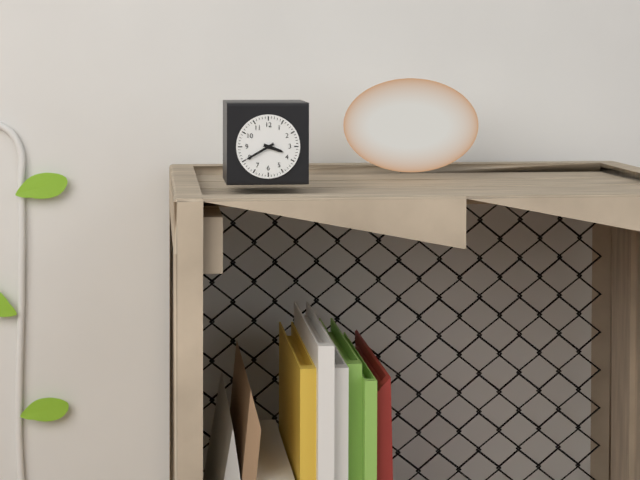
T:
3.40
